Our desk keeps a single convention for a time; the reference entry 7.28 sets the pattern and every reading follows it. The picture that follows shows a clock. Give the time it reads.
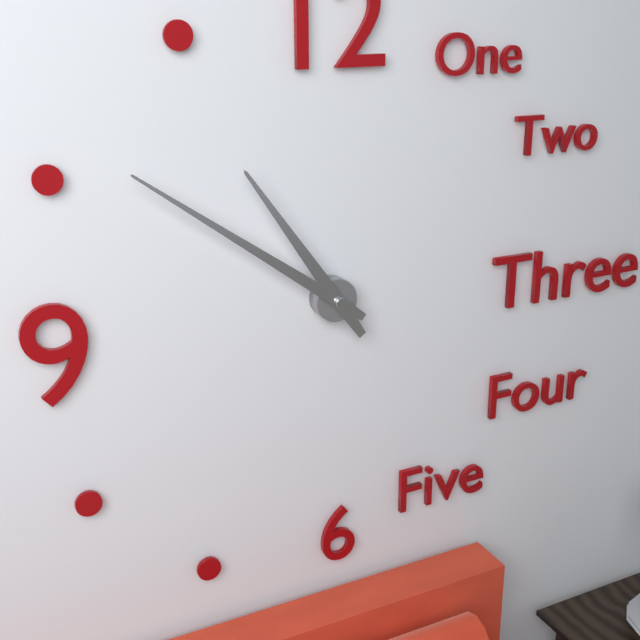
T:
10.51
